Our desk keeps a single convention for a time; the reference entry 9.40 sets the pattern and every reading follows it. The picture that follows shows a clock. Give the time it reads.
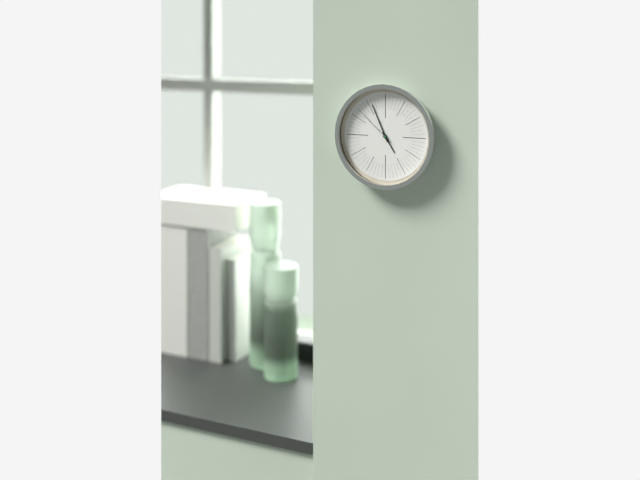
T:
4.56
